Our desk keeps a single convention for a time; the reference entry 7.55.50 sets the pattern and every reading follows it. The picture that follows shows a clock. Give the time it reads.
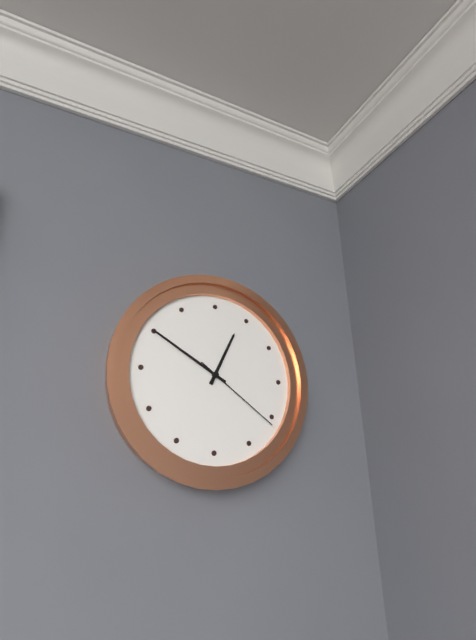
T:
12.50.21
